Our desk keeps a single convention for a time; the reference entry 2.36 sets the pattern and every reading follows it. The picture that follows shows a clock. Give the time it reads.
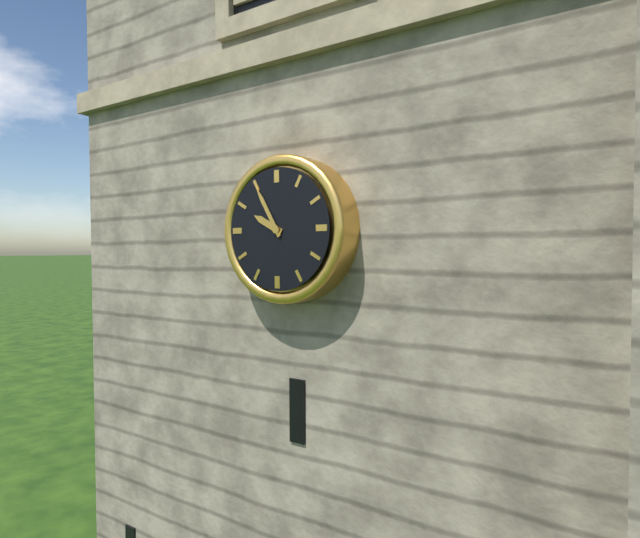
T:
9.55
